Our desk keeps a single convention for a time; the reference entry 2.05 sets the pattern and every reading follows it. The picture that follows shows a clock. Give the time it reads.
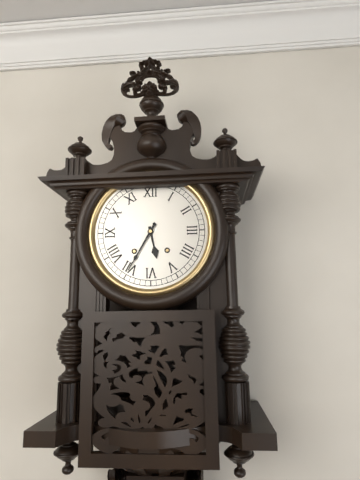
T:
5.35
